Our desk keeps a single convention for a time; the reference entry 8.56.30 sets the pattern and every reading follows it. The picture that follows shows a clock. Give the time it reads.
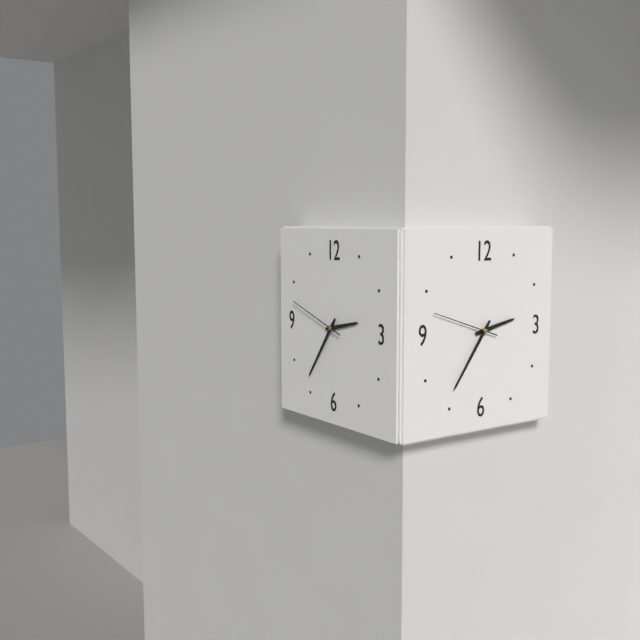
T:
2.36.48
